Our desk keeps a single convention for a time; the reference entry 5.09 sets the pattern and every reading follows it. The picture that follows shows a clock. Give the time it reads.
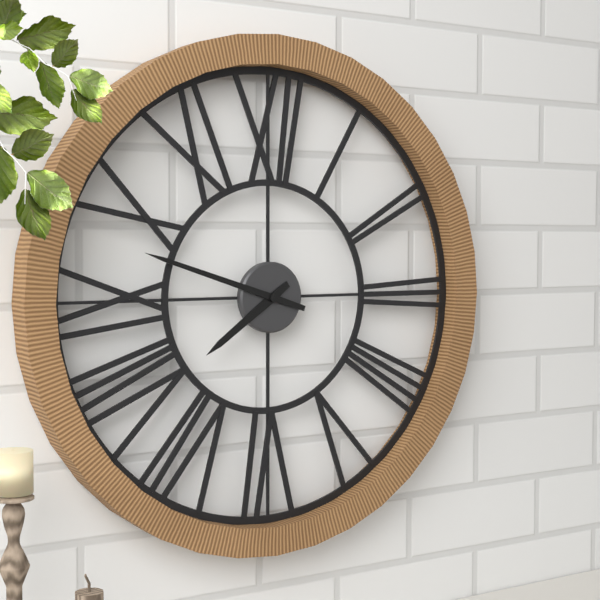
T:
7.48
